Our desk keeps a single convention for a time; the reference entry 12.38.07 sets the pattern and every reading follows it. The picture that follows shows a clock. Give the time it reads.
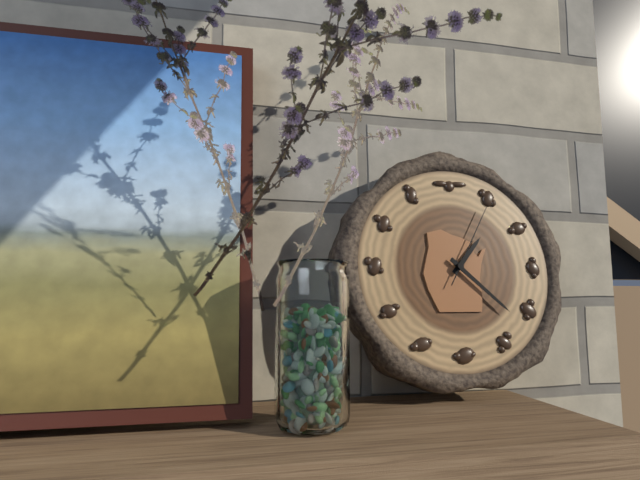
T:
1.22.05
